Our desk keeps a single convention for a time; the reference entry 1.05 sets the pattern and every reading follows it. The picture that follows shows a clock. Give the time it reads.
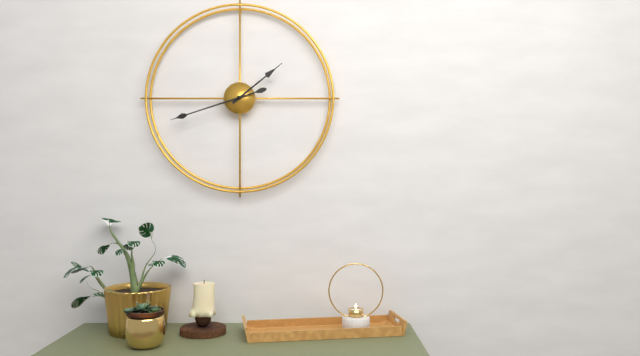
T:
1.42
